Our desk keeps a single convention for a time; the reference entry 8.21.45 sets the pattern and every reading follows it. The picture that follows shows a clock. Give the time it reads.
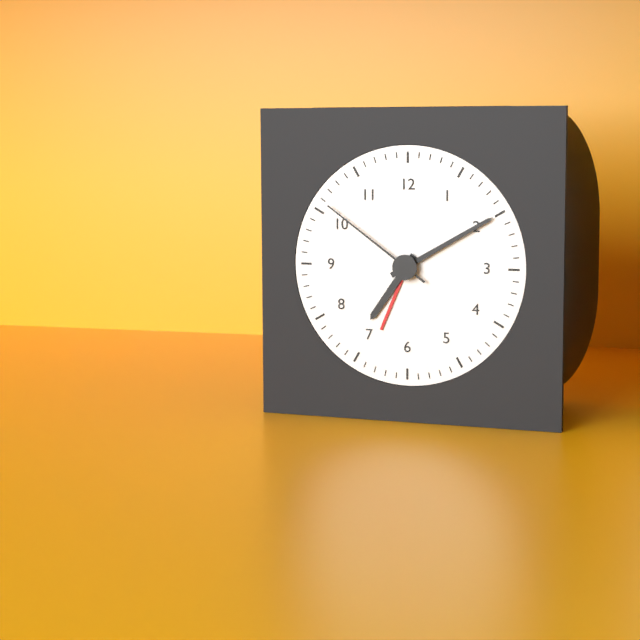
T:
7.10.51
